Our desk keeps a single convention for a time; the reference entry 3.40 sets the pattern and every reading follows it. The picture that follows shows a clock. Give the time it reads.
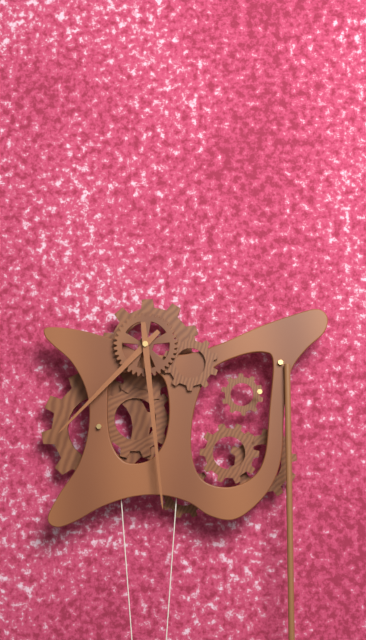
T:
7.29
